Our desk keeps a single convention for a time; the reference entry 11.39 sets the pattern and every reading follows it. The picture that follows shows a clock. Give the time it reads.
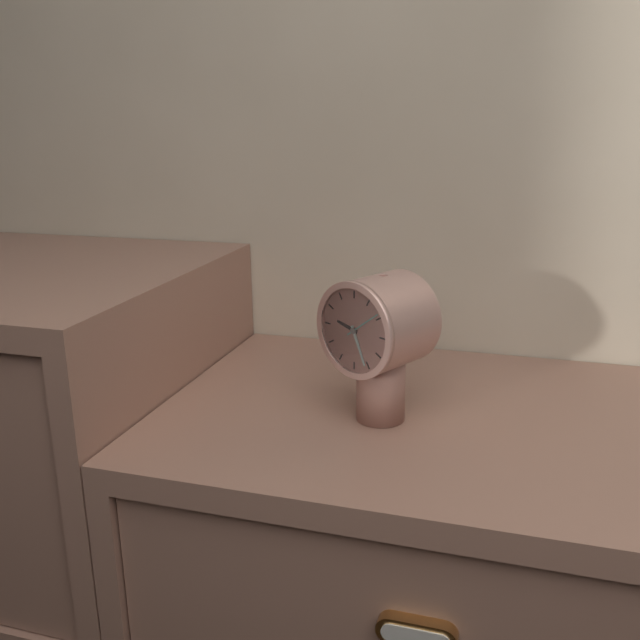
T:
9.26
